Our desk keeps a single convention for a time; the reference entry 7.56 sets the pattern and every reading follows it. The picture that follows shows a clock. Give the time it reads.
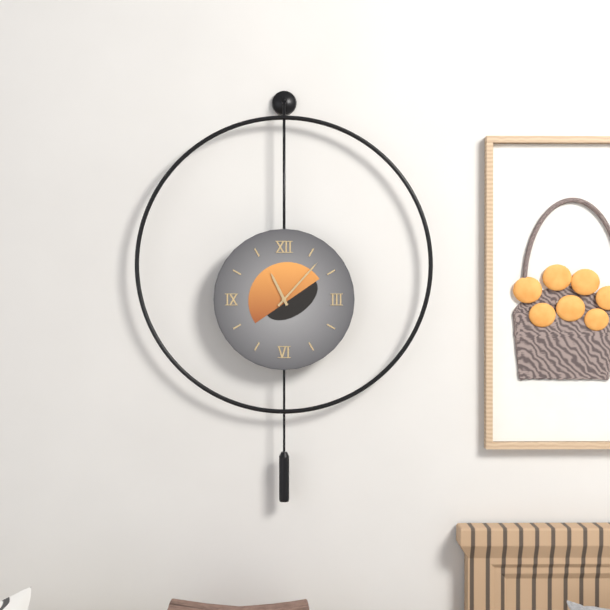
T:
11.07
